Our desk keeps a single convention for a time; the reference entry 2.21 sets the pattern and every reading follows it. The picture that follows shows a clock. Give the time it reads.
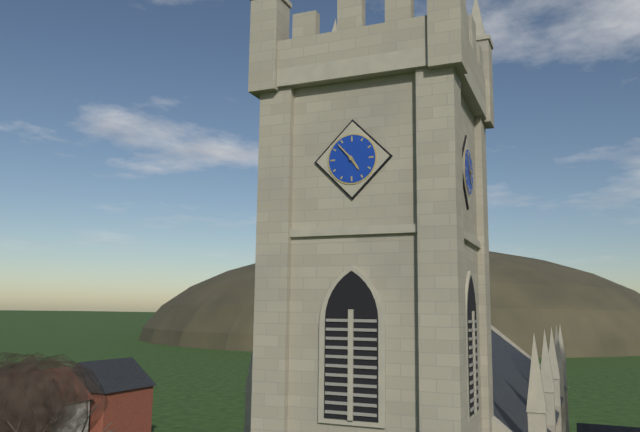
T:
4.53
